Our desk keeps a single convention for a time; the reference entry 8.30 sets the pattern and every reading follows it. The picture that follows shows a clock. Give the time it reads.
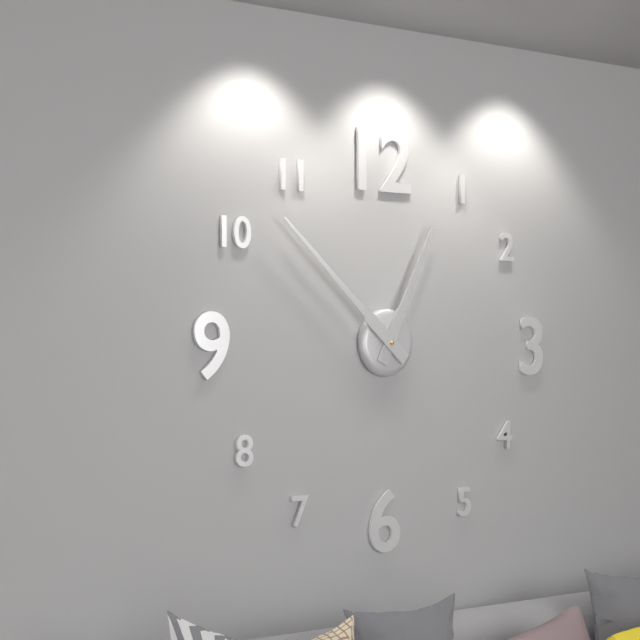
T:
12.52
